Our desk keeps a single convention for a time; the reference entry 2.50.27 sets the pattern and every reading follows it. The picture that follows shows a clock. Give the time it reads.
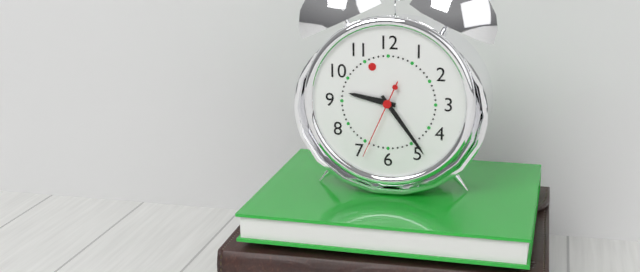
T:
9.24.34
